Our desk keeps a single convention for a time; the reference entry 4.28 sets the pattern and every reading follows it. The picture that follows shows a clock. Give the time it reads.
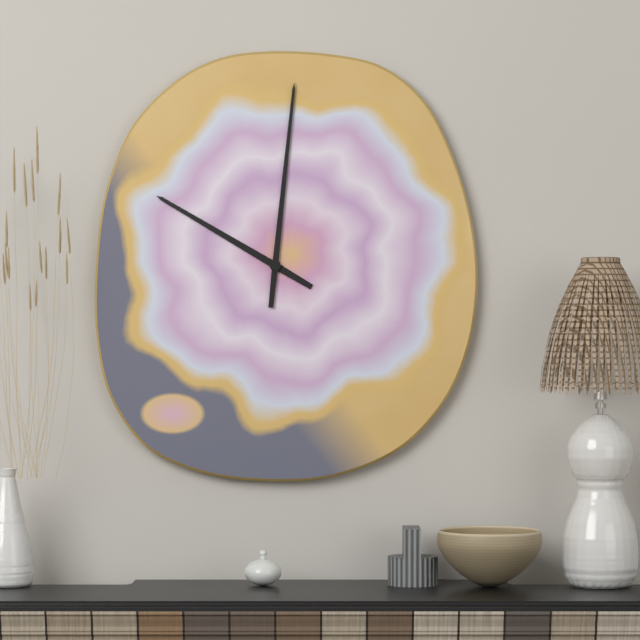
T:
10.01
